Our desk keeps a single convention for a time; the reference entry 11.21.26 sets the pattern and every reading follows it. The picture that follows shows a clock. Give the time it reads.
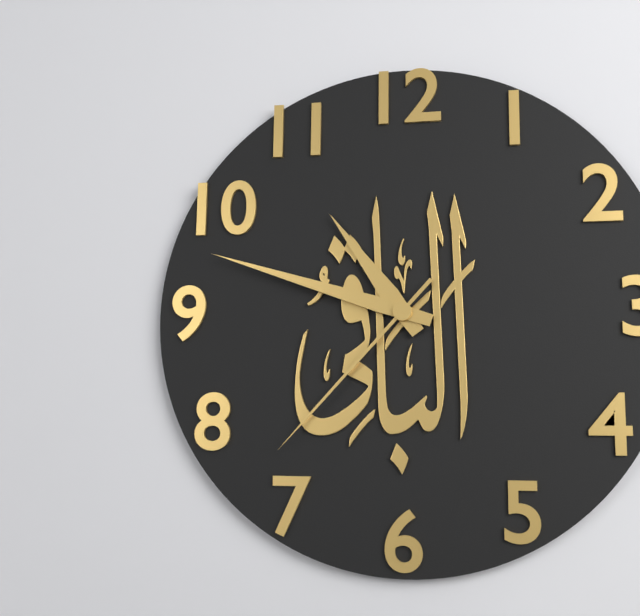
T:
10.48.37
